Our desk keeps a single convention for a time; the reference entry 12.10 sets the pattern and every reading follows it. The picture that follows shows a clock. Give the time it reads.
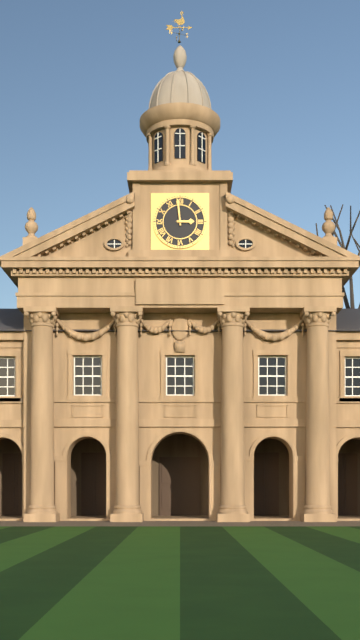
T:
2.59
